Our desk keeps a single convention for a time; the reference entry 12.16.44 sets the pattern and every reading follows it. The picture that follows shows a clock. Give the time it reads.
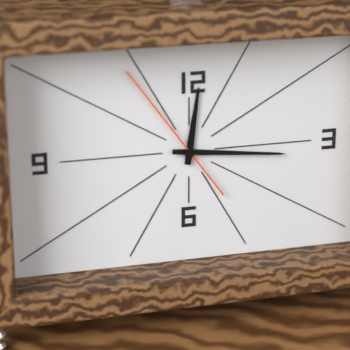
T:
12.16.54
